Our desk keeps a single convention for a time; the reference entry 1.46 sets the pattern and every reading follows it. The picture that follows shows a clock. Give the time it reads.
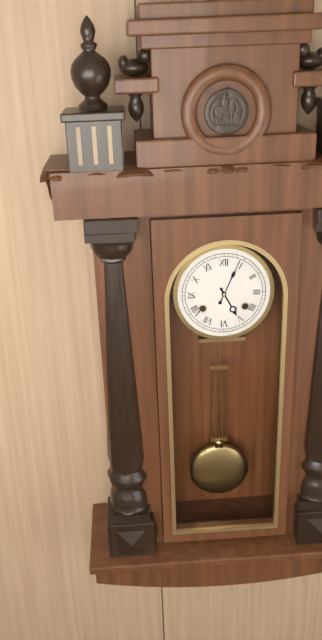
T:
5.04
